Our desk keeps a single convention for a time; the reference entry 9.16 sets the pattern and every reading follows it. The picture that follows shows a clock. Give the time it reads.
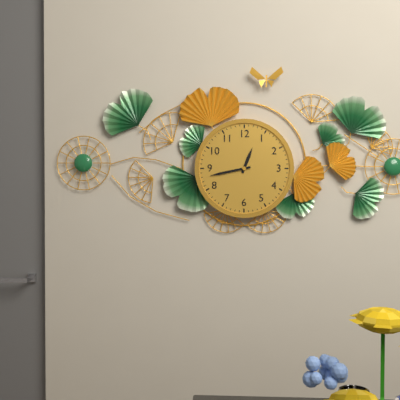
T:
12.43
